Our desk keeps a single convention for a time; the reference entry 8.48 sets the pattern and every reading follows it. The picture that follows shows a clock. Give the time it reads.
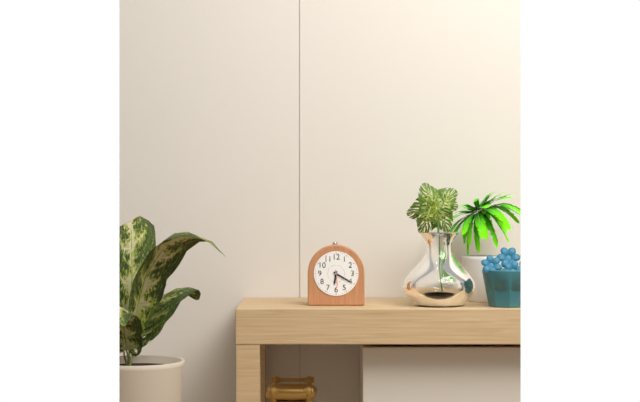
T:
6.20
